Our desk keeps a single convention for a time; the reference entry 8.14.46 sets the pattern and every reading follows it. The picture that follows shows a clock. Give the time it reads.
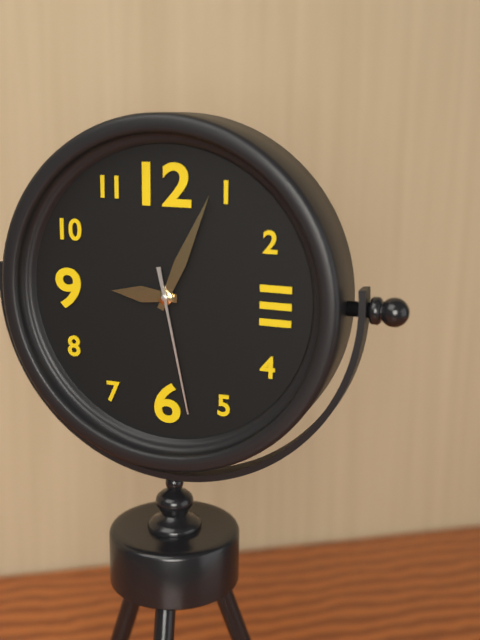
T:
9.04.28
